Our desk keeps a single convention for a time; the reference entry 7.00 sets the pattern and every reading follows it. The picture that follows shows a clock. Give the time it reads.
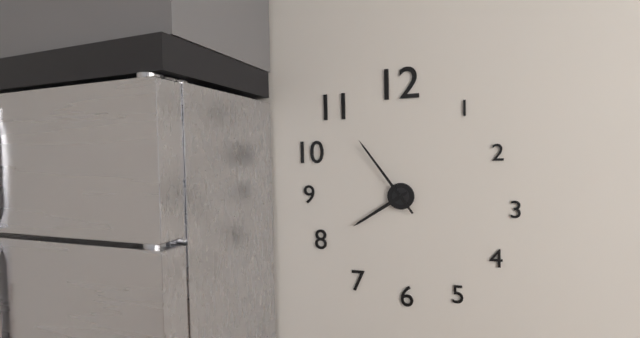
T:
7.54
